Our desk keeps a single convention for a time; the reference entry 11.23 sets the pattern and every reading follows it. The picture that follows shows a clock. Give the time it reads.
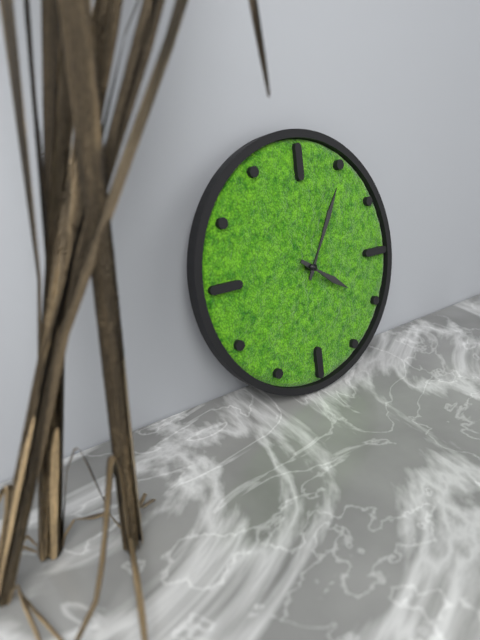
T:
4.05
